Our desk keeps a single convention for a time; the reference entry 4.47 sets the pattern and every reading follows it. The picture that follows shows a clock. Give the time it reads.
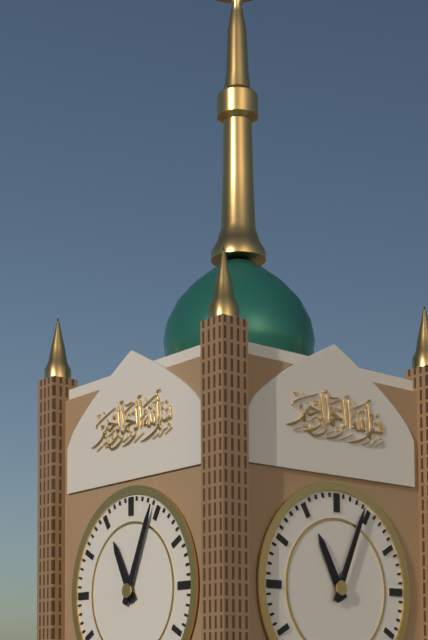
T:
11.04
